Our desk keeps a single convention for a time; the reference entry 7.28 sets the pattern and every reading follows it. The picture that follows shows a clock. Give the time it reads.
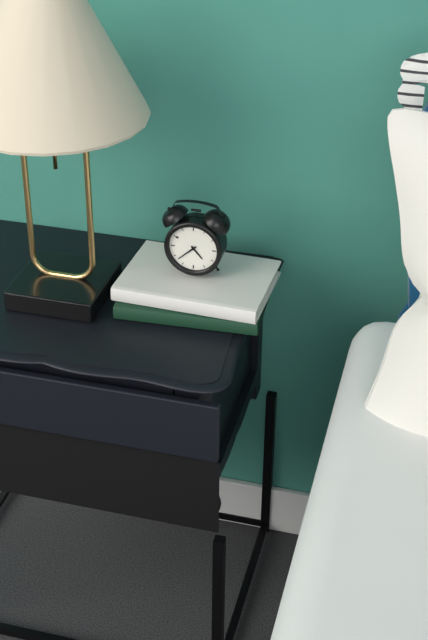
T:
4.38
